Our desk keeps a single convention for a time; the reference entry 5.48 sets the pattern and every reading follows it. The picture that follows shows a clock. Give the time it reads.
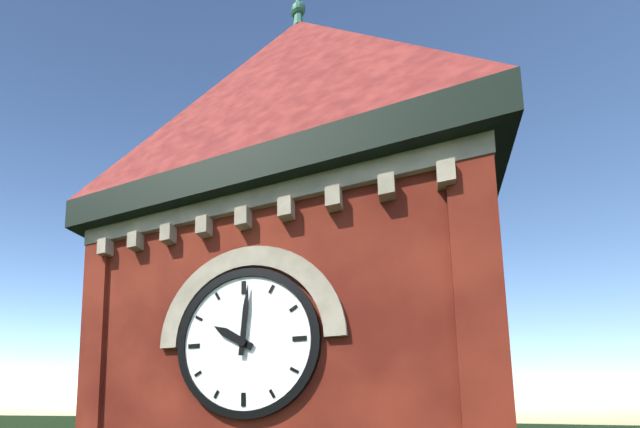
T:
10.01
